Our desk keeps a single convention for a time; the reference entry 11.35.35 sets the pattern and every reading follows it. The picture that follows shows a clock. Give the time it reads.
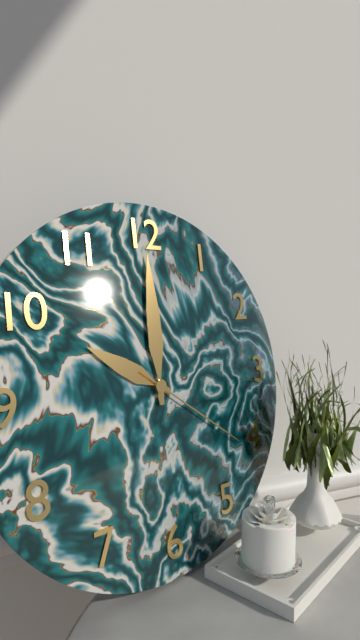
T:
10.00.21
